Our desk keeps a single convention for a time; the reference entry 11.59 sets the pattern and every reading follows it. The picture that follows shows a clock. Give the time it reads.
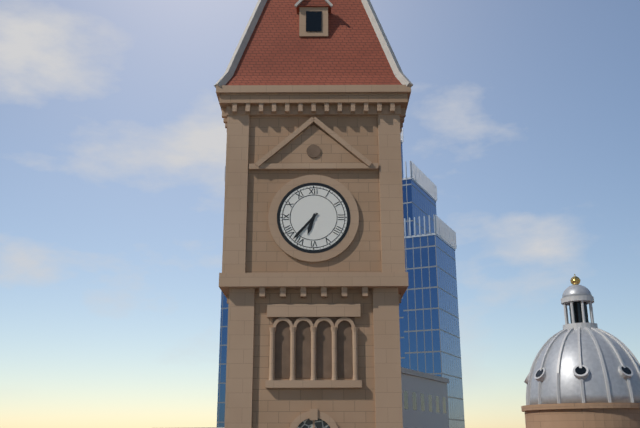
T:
6.37
